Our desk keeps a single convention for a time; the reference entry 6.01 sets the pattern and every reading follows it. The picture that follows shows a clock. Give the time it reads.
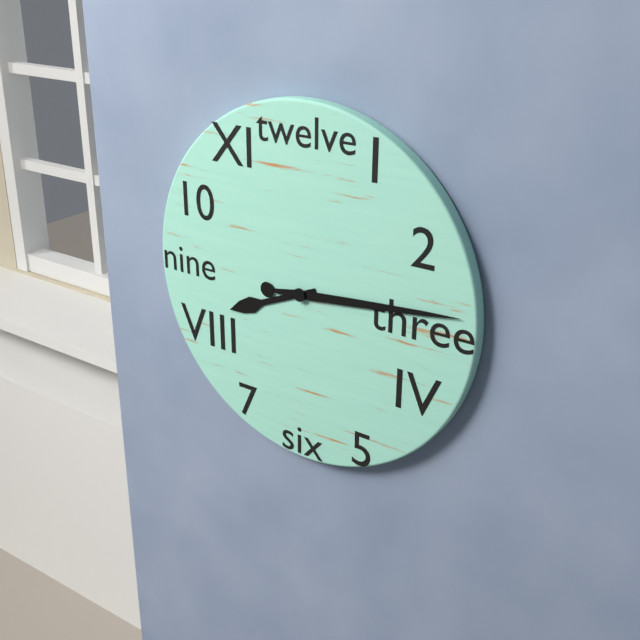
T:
8.14
